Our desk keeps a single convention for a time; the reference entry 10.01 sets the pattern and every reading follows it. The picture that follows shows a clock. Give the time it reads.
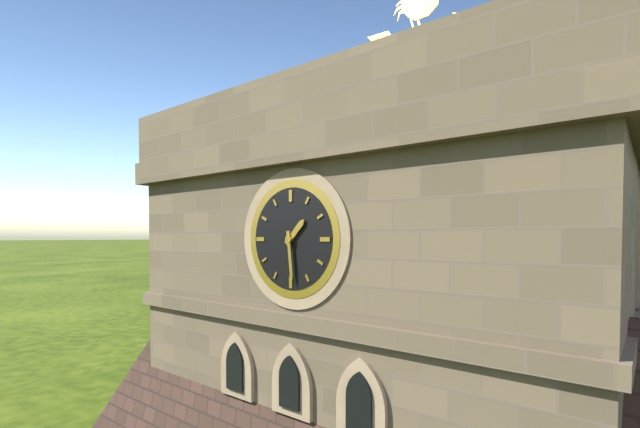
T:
1.29
